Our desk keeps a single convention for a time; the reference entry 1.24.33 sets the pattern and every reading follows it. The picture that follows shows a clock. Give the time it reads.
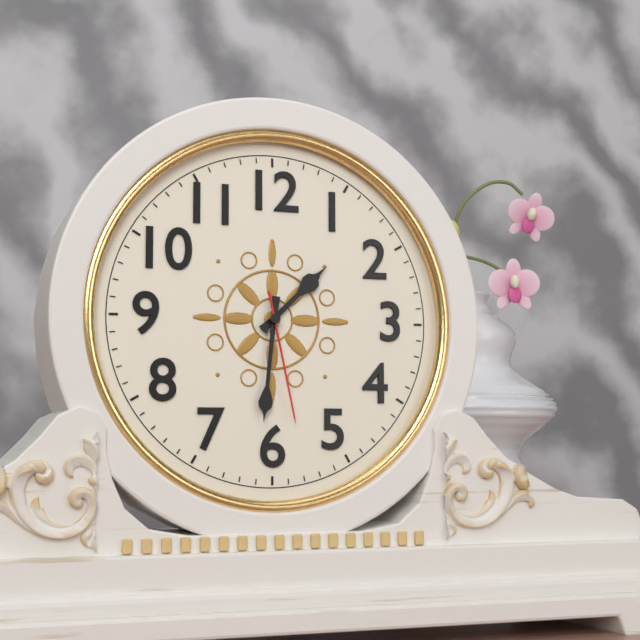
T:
1.31.28
